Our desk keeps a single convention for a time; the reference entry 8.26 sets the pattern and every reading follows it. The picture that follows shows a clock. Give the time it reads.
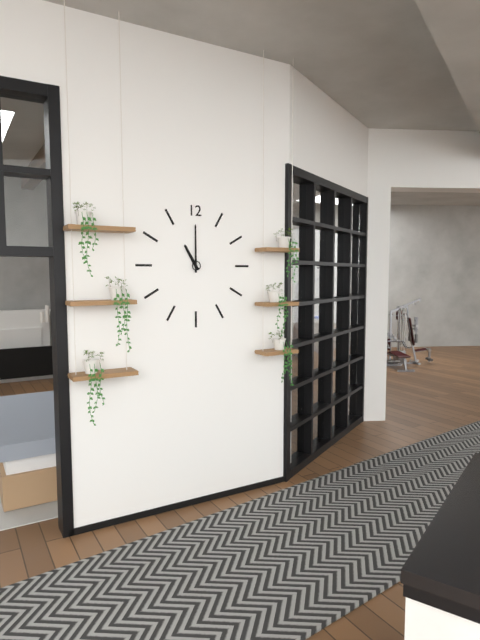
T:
11.00
